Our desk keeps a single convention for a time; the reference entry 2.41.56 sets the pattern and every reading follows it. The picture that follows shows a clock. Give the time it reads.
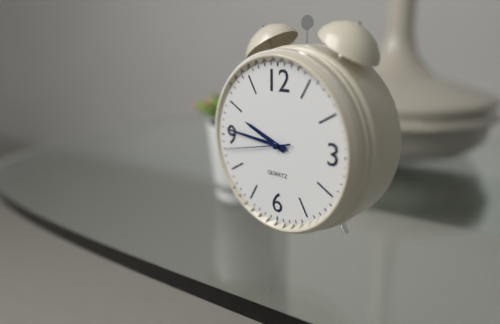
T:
9.46.43
